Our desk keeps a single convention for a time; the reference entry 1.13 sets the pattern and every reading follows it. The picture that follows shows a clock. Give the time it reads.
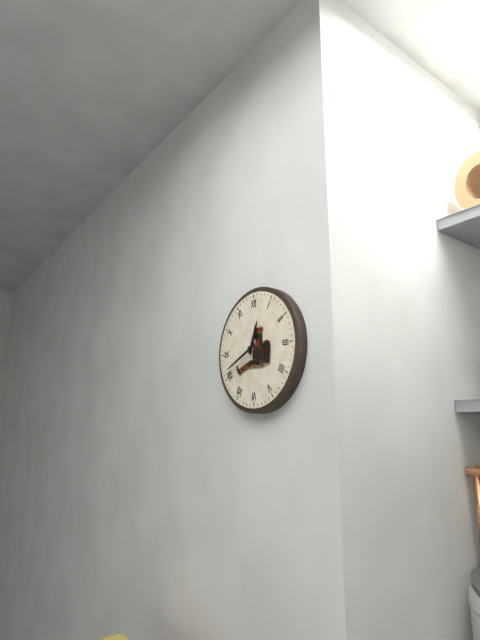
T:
12.41
